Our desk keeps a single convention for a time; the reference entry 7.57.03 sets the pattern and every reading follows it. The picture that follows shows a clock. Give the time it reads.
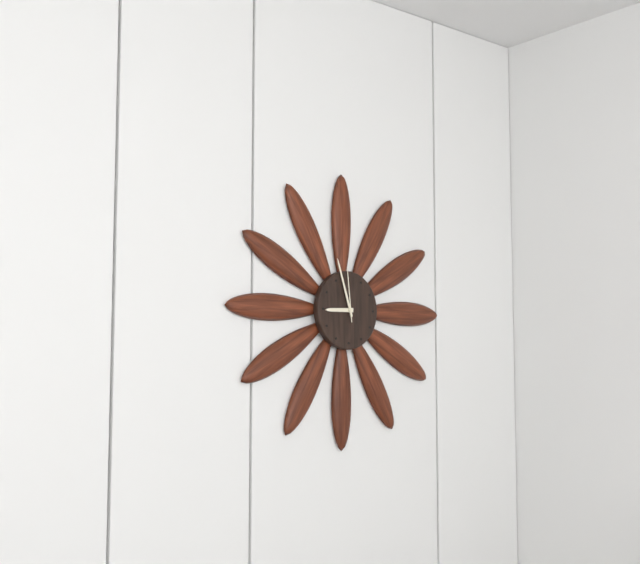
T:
8.57.59
